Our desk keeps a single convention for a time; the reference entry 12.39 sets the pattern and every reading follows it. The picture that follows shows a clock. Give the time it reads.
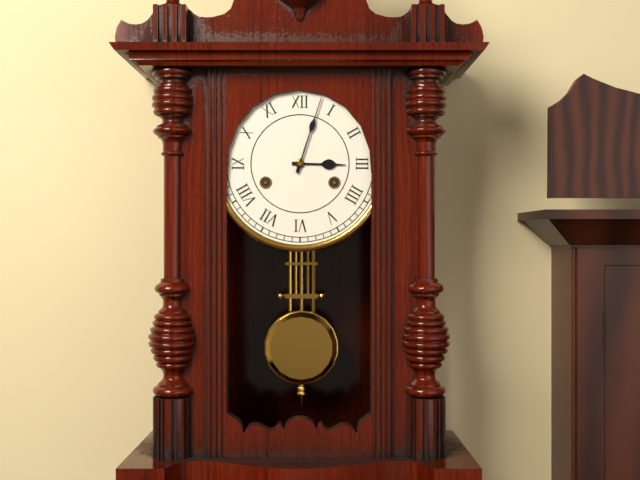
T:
3.03
